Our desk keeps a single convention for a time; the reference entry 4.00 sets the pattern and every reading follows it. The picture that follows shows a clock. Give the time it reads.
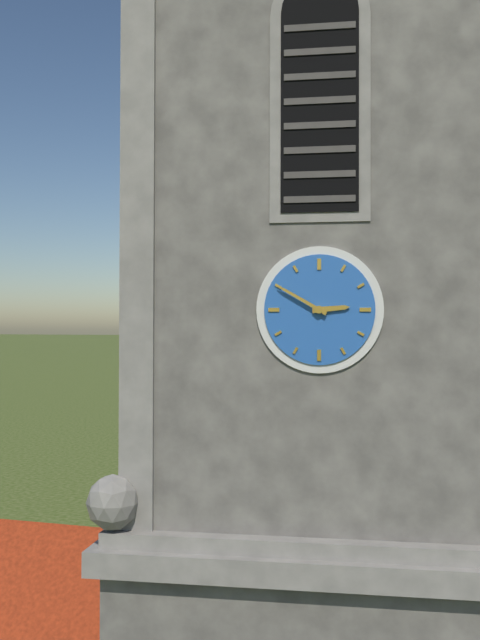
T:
2.50
